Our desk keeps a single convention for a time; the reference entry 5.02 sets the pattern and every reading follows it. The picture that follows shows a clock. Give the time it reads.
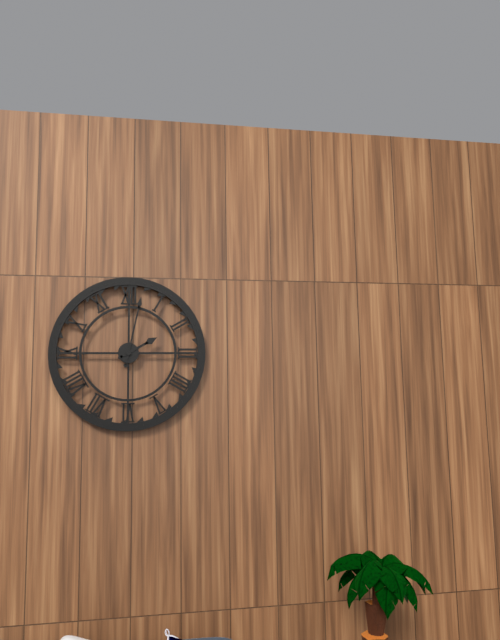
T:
2.02
